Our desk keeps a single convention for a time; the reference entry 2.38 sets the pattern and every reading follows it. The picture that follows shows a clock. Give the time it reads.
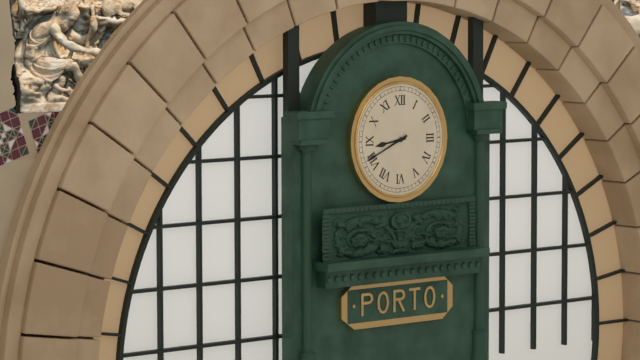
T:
8.41
